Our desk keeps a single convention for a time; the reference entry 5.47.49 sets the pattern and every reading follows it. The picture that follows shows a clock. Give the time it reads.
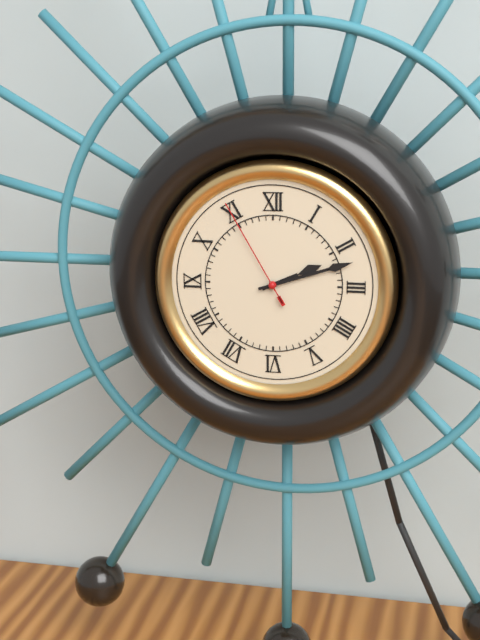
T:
2.12.55
